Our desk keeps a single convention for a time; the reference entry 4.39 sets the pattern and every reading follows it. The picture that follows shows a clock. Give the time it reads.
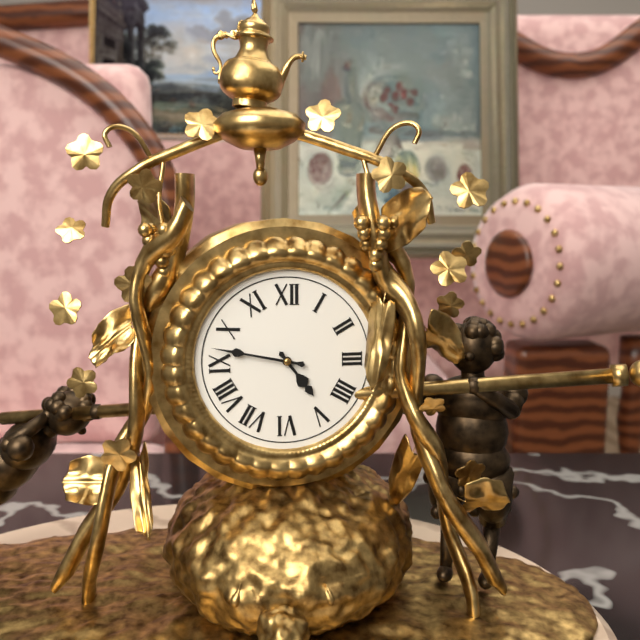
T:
4.47
